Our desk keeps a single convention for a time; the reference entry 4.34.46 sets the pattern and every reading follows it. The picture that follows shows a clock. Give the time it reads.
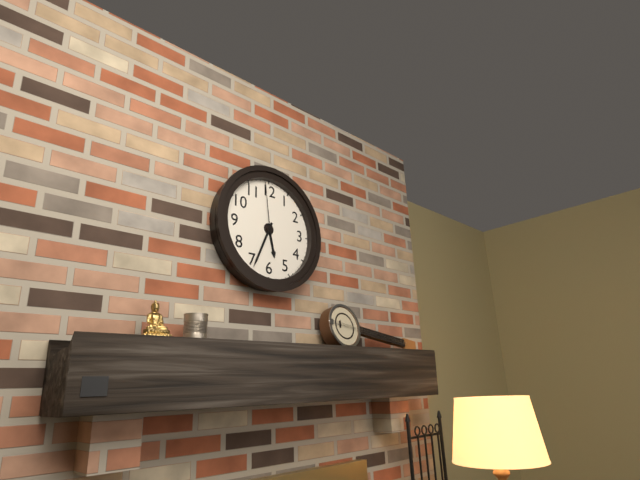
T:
5.34.59
